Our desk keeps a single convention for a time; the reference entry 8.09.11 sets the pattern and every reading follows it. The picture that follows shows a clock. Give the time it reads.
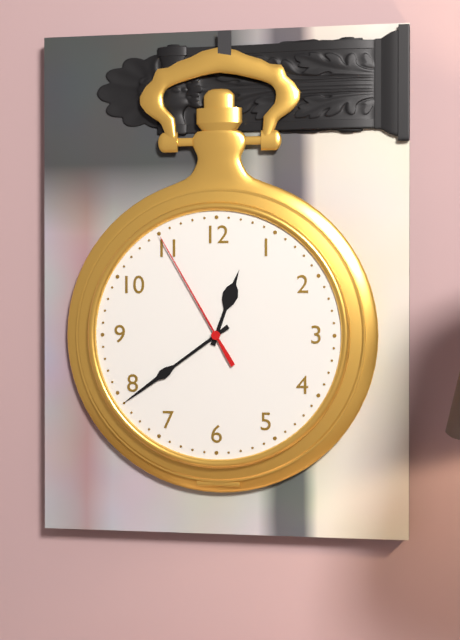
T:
12.39.55
